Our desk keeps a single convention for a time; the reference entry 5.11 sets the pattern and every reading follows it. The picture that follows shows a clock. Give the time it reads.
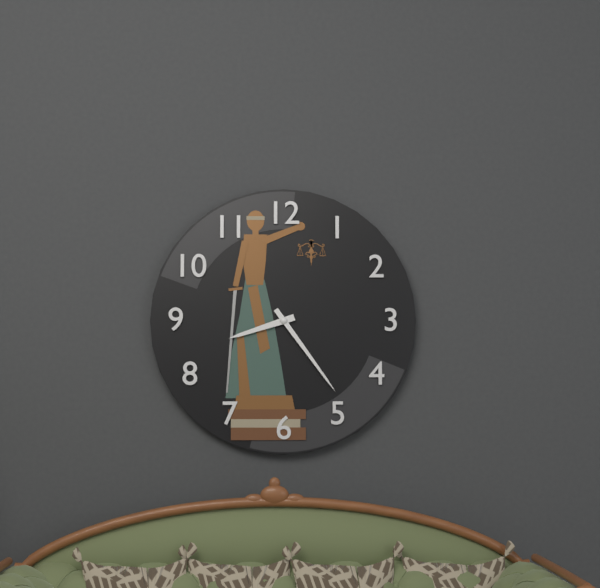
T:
8.24
